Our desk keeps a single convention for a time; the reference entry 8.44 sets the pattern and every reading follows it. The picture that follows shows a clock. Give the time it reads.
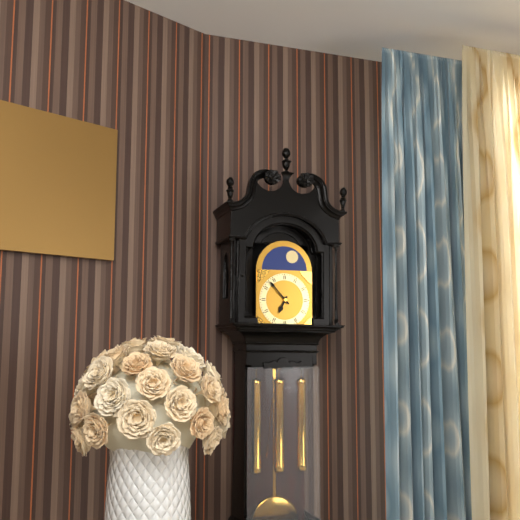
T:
6.53
